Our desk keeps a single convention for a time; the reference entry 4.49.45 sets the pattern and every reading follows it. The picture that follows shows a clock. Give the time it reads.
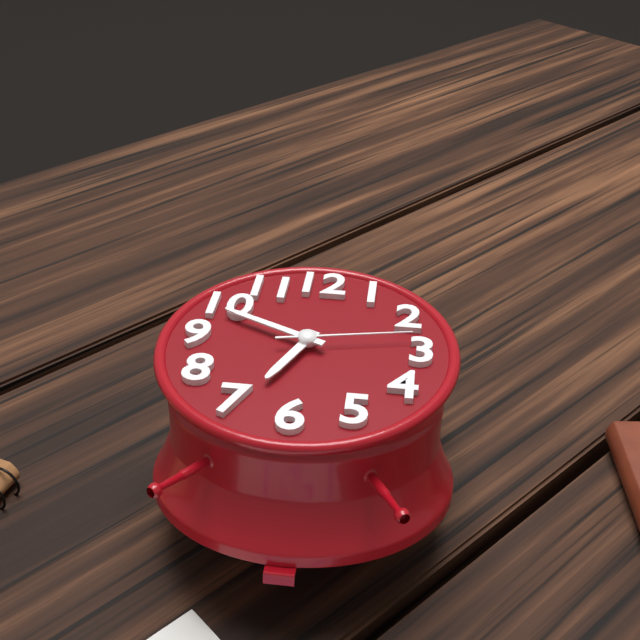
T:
6.49.13
